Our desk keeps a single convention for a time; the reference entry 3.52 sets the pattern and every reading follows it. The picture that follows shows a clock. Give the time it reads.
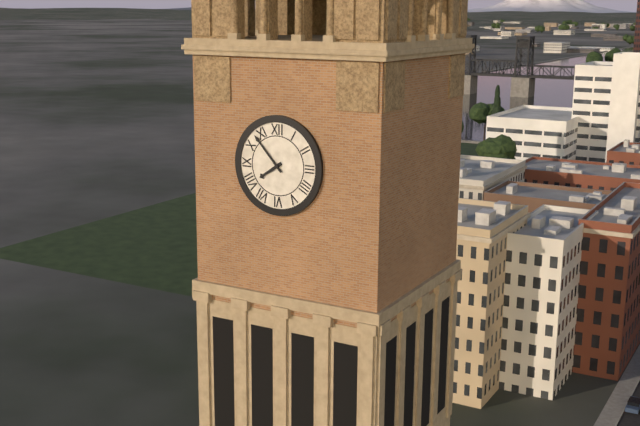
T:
7.53
